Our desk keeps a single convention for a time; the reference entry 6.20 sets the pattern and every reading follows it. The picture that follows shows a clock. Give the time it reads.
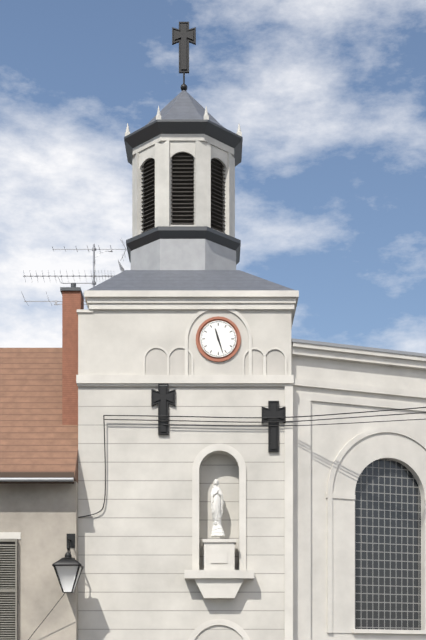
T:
11.27
